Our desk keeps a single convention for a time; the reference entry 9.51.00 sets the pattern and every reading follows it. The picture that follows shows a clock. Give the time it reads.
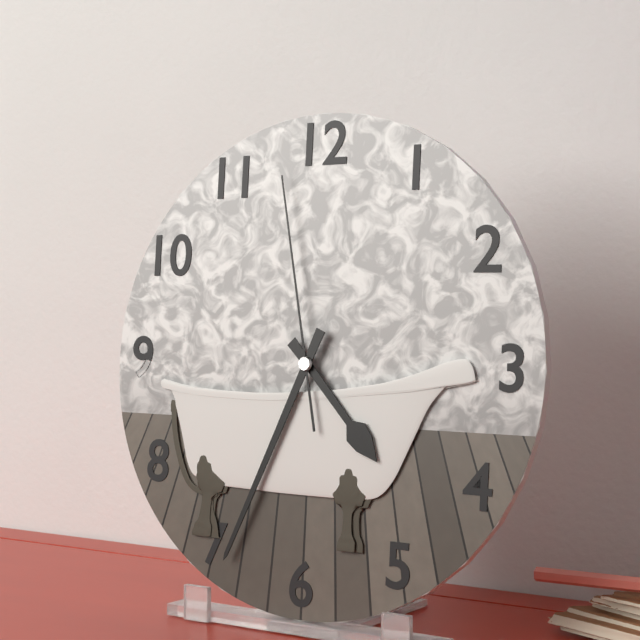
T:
4.34.58
